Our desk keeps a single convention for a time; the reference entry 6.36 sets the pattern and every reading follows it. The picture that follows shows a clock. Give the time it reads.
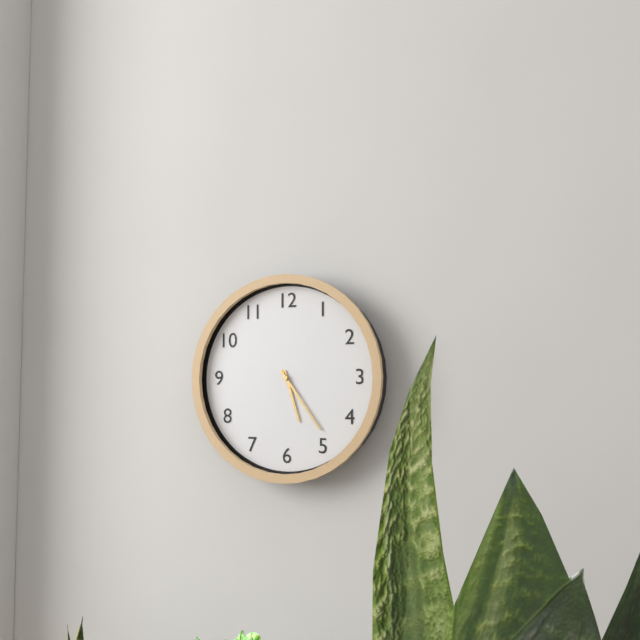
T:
5.24
